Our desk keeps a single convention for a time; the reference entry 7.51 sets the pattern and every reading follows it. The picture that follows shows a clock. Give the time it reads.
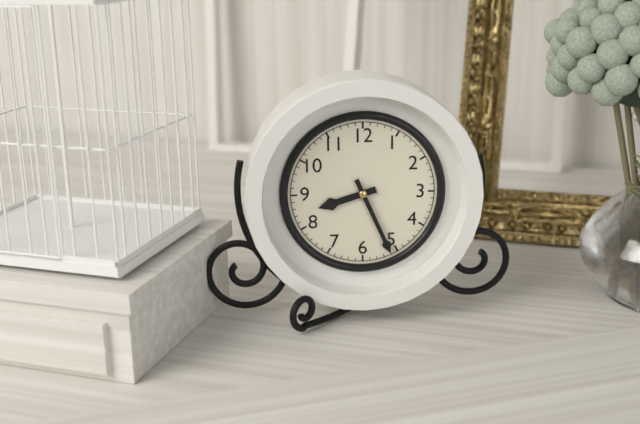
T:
8.26
